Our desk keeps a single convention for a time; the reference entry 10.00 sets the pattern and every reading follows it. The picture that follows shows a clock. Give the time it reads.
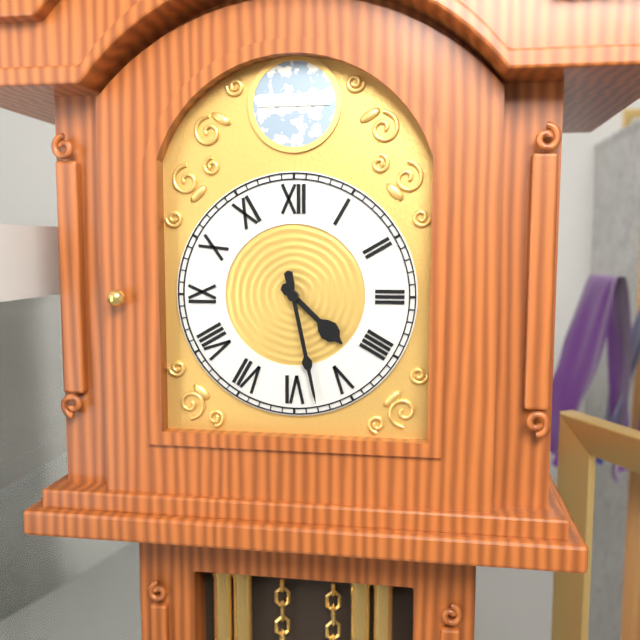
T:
4.28
